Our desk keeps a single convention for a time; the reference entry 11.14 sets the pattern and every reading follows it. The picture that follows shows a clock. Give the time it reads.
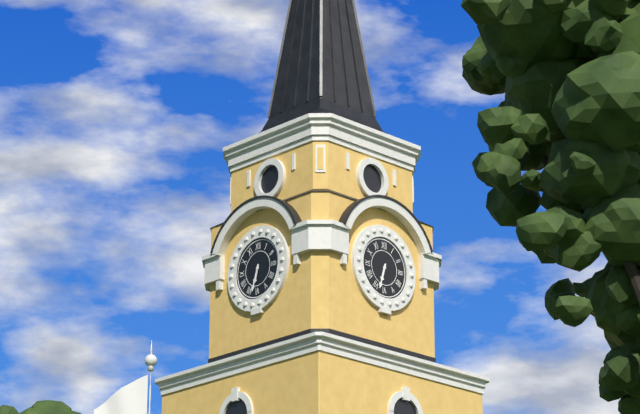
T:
6.33
